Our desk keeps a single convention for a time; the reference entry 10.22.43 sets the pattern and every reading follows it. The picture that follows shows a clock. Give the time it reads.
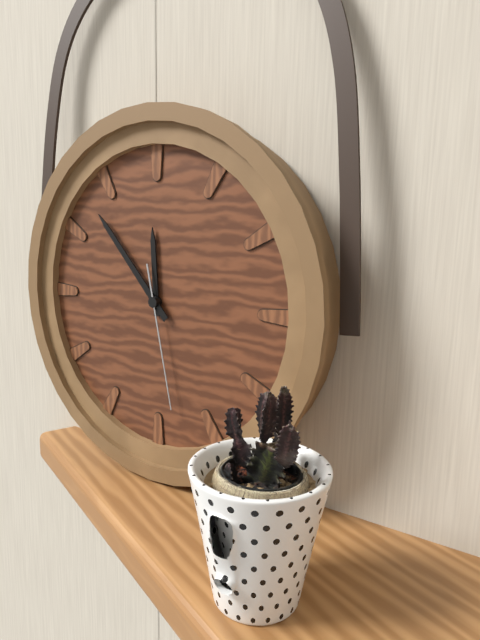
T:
11.53.28
